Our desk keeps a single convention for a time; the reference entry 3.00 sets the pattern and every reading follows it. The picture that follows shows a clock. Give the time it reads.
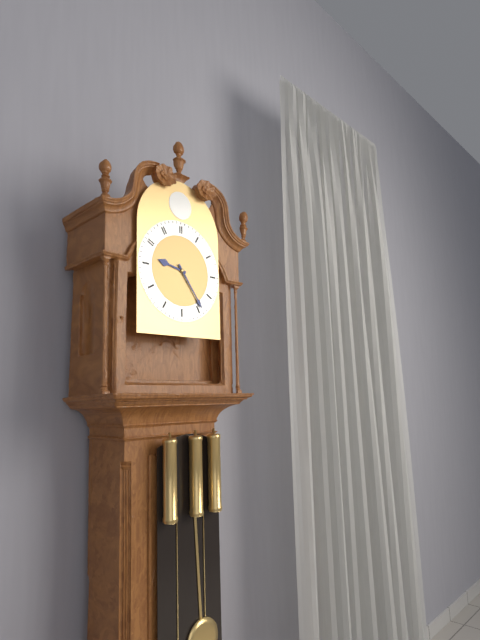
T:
9.24
